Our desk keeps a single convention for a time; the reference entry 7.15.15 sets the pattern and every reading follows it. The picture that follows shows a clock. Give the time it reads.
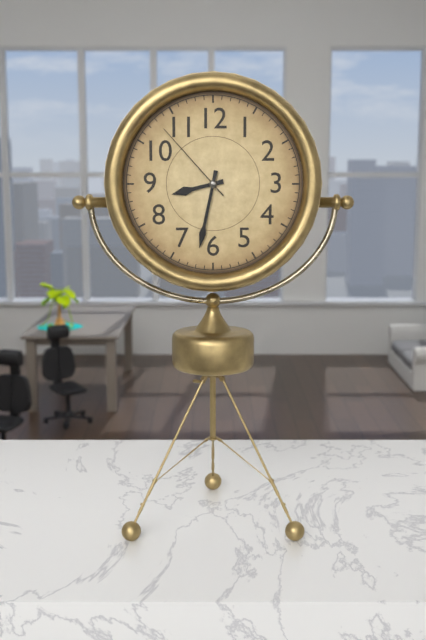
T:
8.32.53
